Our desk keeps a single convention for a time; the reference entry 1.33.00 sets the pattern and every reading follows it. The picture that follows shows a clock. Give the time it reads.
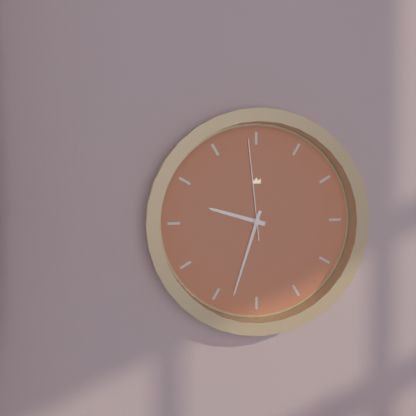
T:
9.33.59
